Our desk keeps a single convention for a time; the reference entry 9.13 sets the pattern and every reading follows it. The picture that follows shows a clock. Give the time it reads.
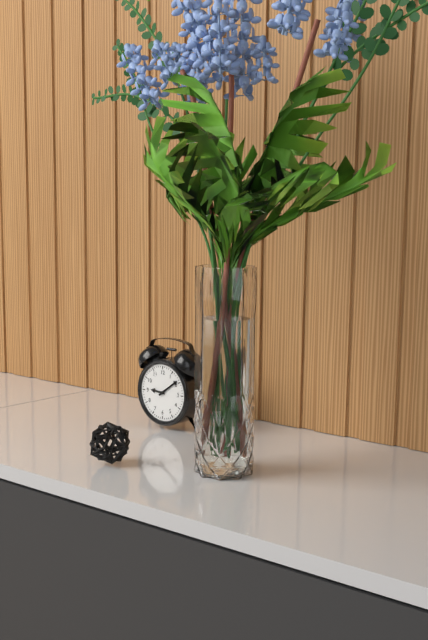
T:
9.09
